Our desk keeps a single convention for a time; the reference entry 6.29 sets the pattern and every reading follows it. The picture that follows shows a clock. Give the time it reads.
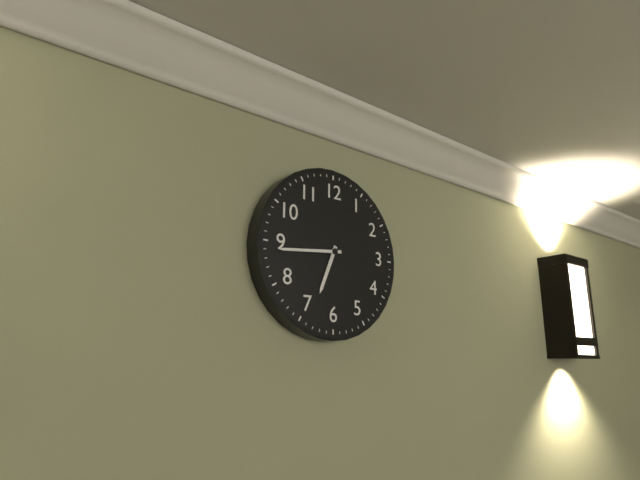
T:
6.44
